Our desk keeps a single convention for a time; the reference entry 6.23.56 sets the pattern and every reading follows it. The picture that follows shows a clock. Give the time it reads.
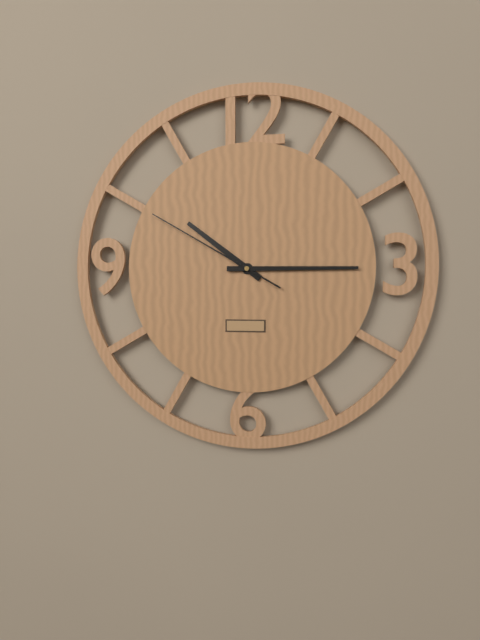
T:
10.15.50
